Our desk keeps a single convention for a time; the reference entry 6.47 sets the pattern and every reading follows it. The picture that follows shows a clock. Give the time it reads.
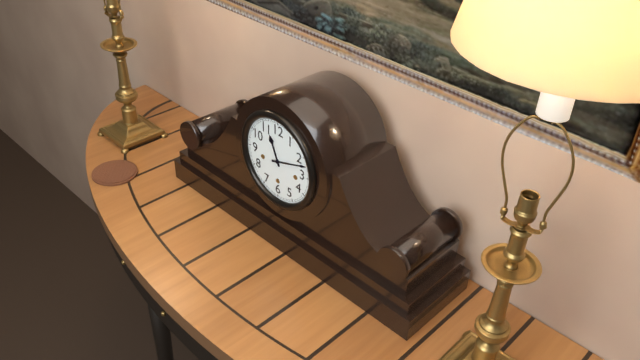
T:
11.12
